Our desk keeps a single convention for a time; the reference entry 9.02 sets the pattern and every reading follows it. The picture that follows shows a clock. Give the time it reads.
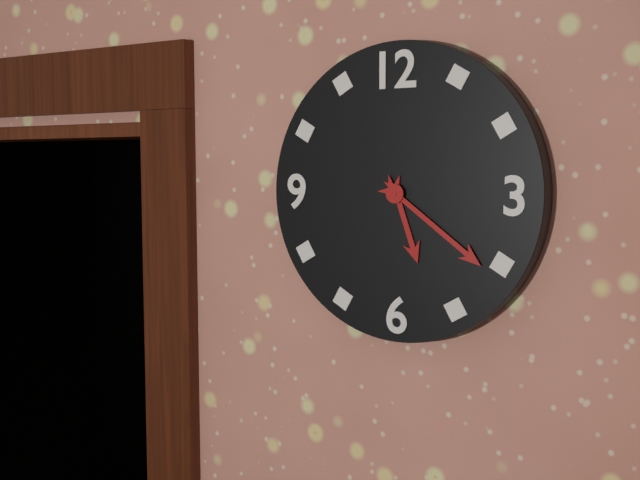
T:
5.21
